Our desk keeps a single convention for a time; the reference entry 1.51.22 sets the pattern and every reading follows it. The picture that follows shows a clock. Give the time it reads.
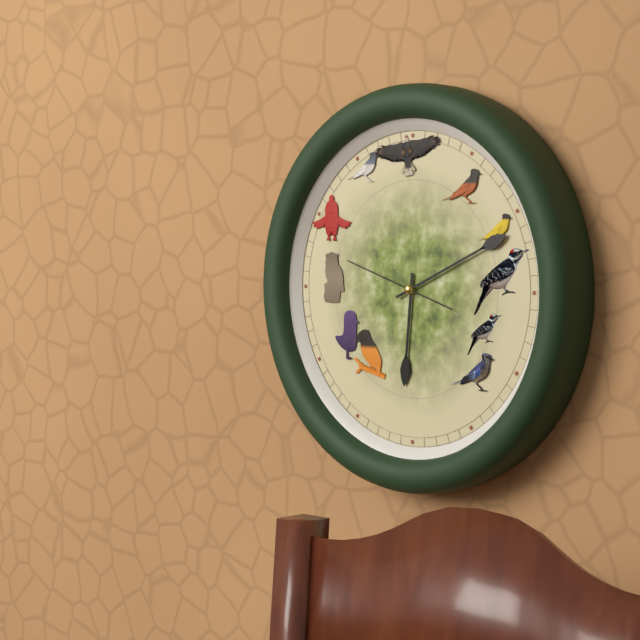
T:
6.11.48
